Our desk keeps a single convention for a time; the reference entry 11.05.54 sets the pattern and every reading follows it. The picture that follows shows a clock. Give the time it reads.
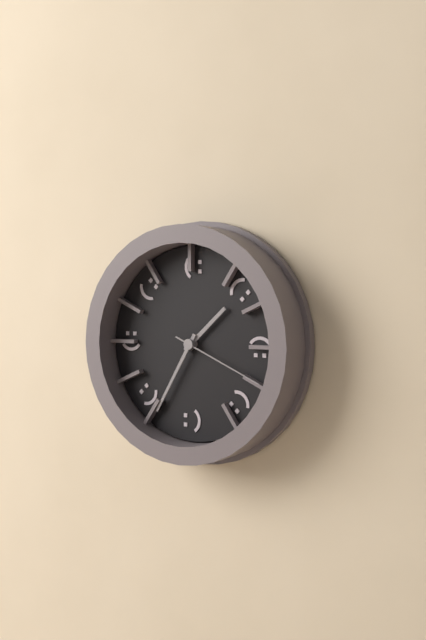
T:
1.35.19
